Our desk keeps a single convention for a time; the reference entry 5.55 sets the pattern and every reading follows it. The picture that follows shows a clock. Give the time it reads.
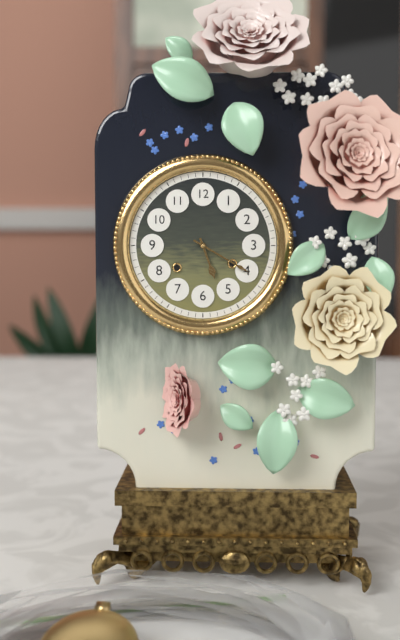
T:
5.20
